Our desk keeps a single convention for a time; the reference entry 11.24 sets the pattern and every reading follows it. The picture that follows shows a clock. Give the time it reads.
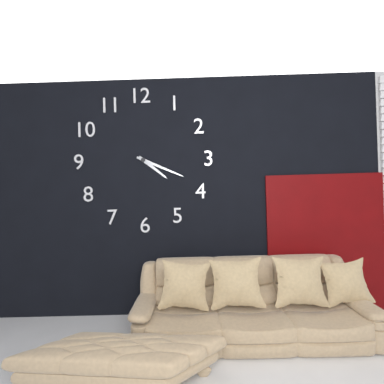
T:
4.19
